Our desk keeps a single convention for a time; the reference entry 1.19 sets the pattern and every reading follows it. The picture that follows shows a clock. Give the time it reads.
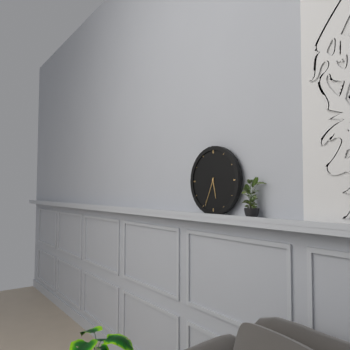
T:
5.34
